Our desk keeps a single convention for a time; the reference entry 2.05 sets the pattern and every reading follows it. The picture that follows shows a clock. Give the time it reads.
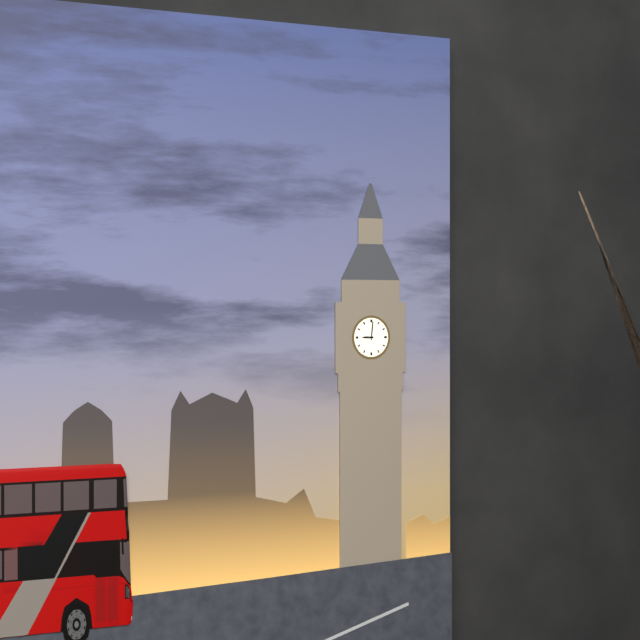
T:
9.01
